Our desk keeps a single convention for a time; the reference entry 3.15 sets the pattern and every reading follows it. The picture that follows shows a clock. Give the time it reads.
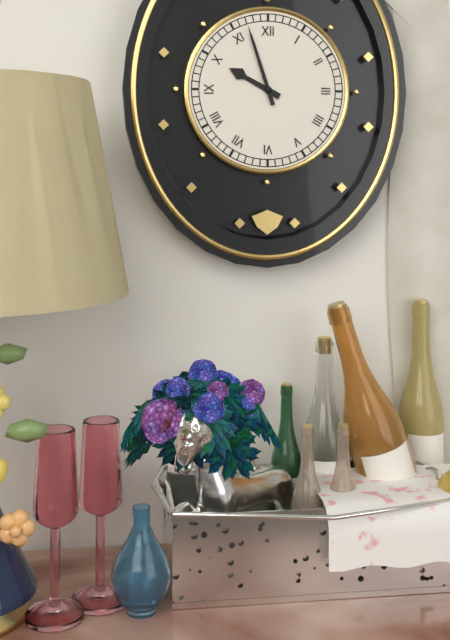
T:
9.57
